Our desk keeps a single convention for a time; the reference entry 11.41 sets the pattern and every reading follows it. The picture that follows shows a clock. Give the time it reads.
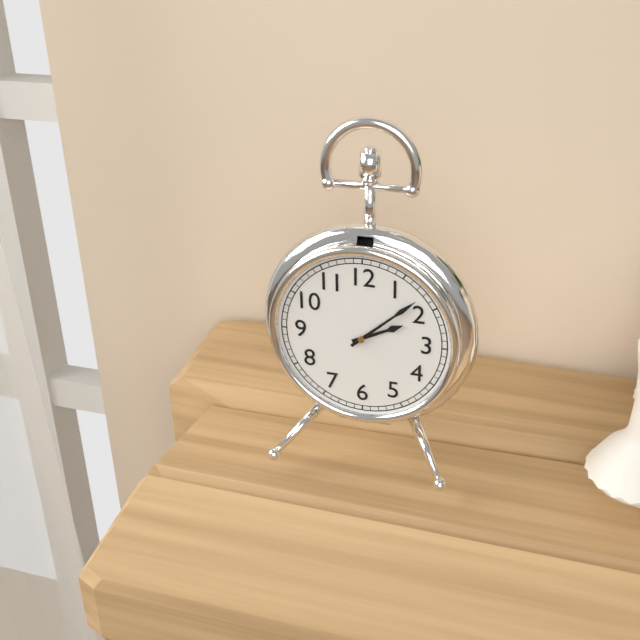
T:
2.08
